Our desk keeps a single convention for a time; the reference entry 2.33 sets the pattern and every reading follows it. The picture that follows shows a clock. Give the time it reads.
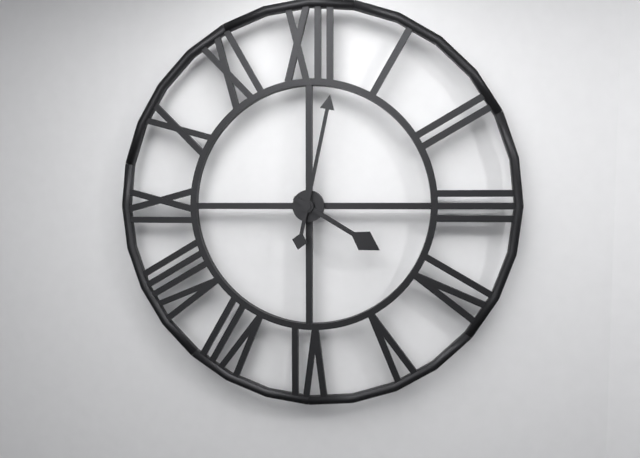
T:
4.02
